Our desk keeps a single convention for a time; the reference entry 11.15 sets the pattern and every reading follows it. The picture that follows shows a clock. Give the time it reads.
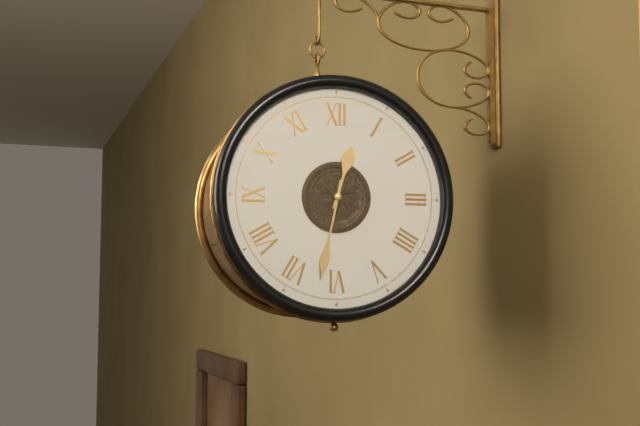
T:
12.32
